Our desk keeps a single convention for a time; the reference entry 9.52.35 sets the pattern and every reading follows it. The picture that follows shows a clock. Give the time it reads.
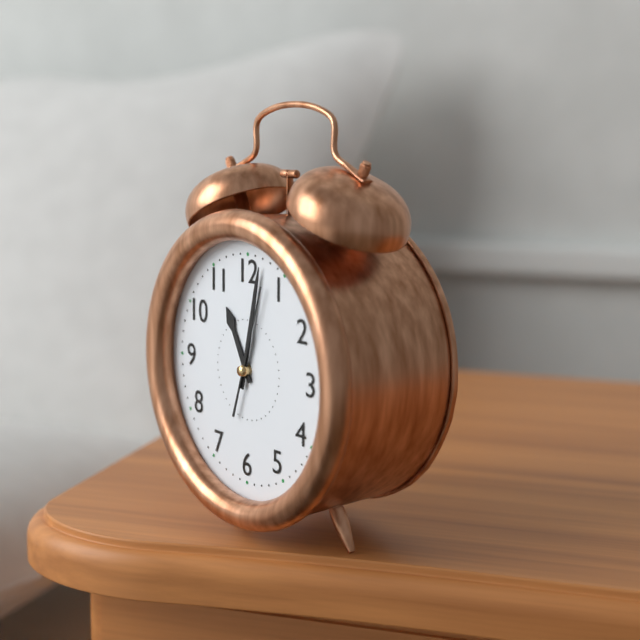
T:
11.02.03
